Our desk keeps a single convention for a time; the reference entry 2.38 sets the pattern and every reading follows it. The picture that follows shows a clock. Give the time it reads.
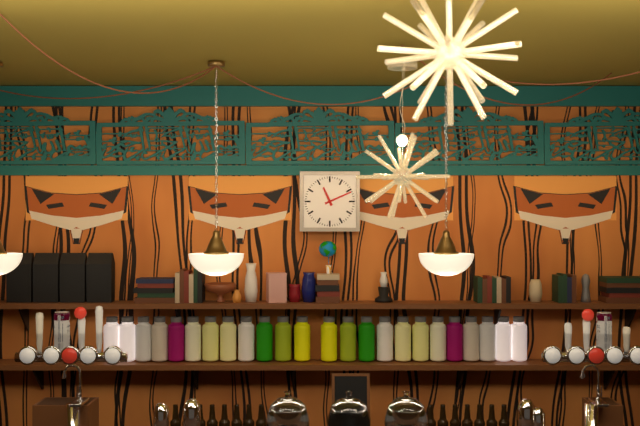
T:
11.11
